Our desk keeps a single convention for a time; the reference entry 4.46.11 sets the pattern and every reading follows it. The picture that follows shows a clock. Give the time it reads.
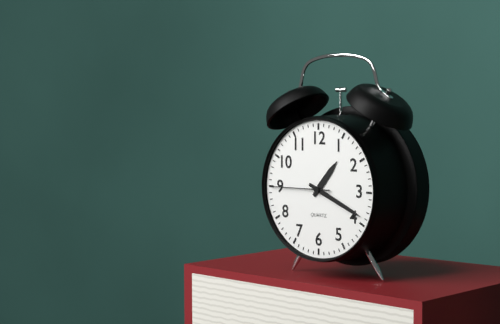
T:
1.19.45
